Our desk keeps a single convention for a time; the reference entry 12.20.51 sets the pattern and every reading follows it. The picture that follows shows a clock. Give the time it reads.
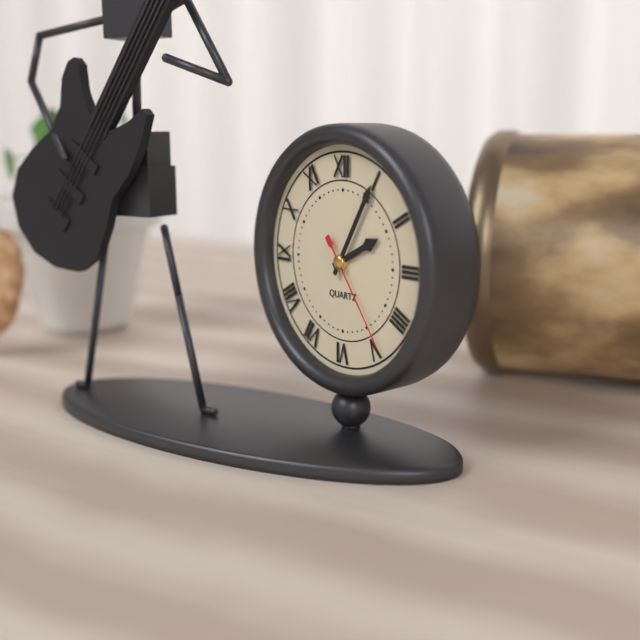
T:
2.05.24
